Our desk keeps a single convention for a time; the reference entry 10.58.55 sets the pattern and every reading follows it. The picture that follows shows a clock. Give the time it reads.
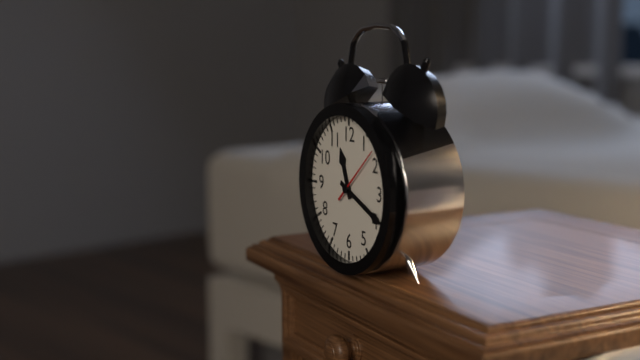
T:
11.19.08
